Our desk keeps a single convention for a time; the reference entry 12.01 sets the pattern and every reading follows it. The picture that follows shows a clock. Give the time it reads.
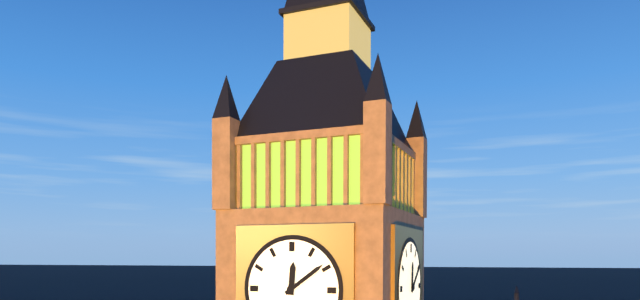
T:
12.09
